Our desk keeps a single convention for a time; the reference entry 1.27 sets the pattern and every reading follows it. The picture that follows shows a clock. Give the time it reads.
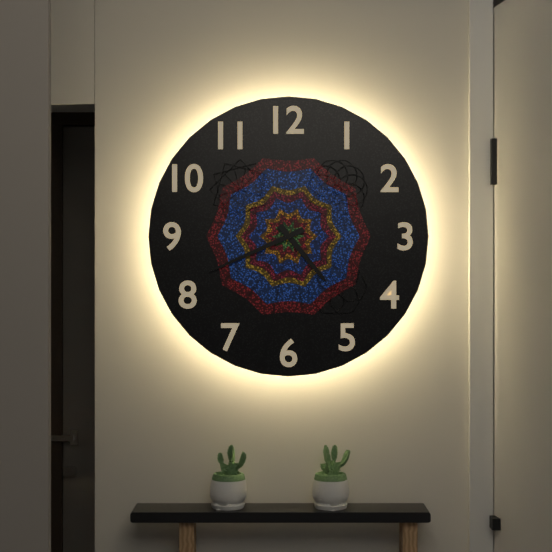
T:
4.41
